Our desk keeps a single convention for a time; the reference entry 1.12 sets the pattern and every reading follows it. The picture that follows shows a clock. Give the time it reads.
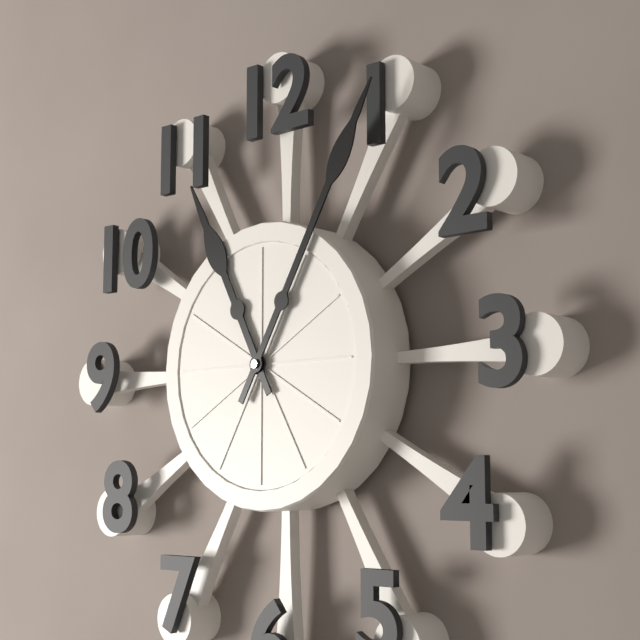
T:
11.05
